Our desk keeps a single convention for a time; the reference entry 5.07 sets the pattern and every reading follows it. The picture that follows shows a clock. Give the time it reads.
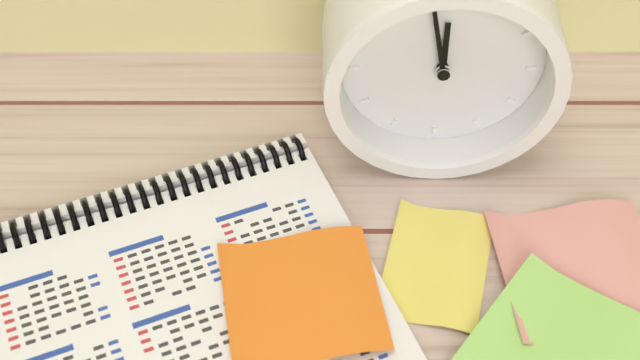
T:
11.58
